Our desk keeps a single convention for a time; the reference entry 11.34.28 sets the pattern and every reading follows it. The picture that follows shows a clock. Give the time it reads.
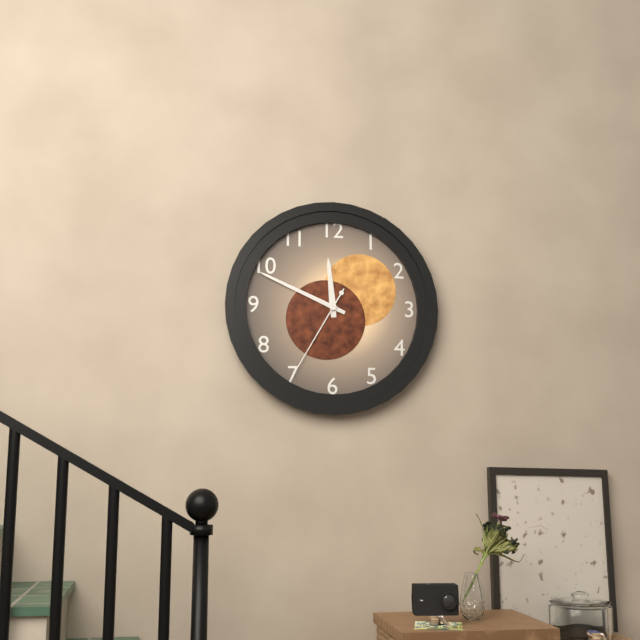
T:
11.49.35
